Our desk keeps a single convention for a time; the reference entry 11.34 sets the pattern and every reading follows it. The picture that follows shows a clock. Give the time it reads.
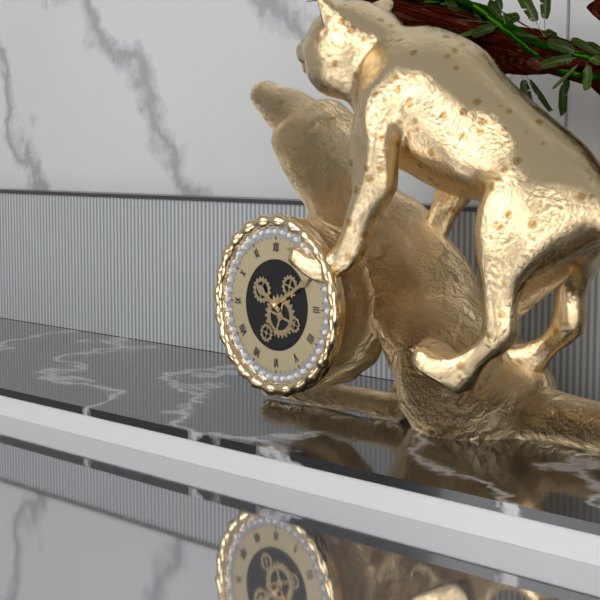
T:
10.10
